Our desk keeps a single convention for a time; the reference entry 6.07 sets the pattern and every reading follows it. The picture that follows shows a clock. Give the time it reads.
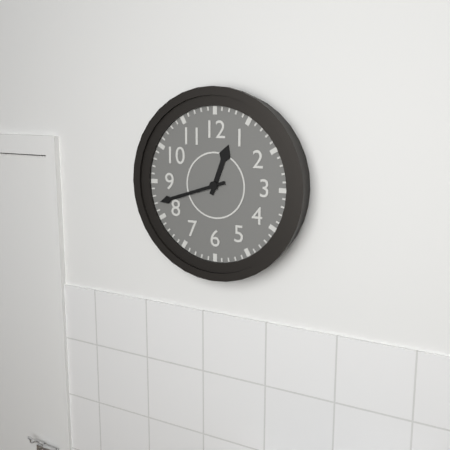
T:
12.42
